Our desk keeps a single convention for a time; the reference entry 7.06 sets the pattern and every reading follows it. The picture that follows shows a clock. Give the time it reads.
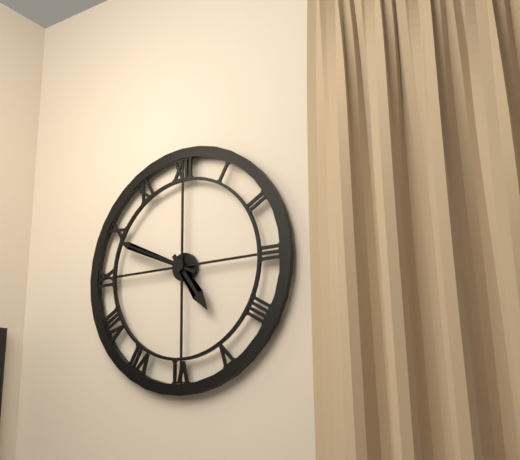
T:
4.49
